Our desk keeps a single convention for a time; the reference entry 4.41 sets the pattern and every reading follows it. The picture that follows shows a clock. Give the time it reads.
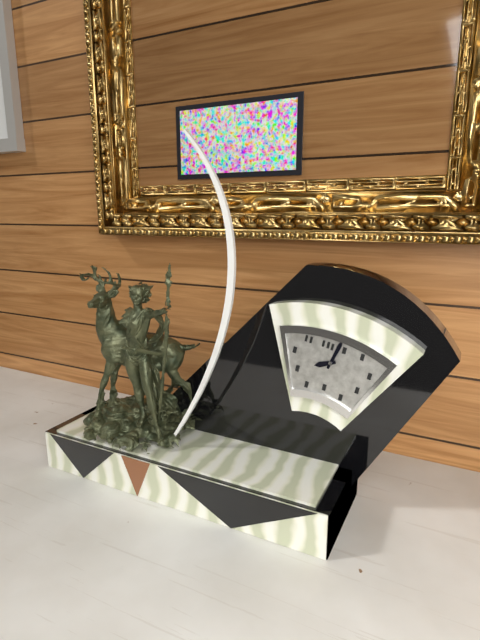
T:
8.02
